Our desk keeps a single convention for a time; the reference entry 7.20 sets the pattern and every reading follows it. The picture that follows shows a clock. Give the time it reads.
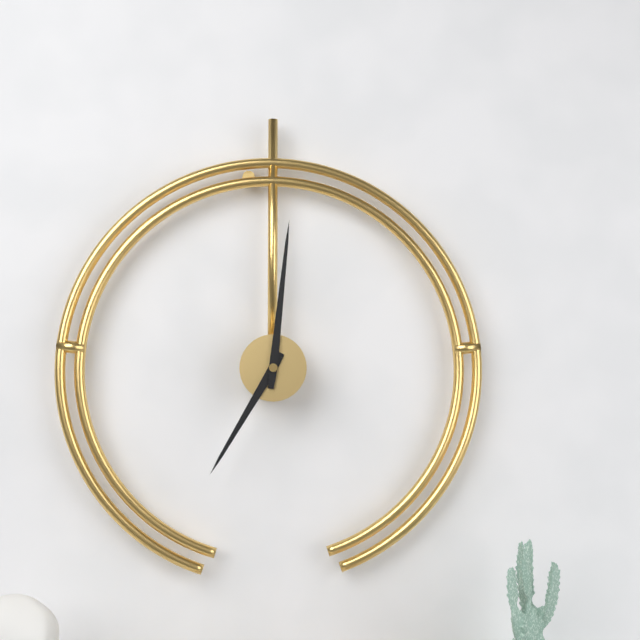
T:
7.01
